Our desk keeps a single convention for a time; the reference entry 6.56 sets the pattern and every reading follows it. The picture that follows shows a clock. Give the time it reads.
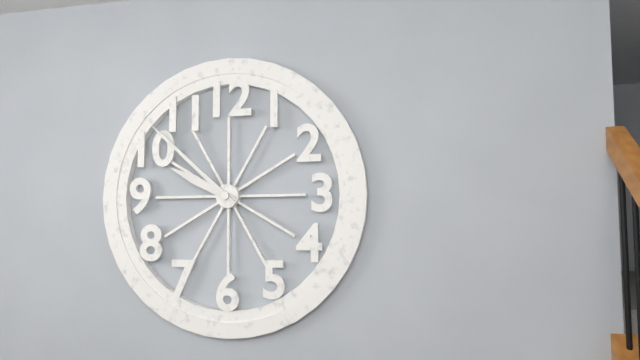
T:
9.52
